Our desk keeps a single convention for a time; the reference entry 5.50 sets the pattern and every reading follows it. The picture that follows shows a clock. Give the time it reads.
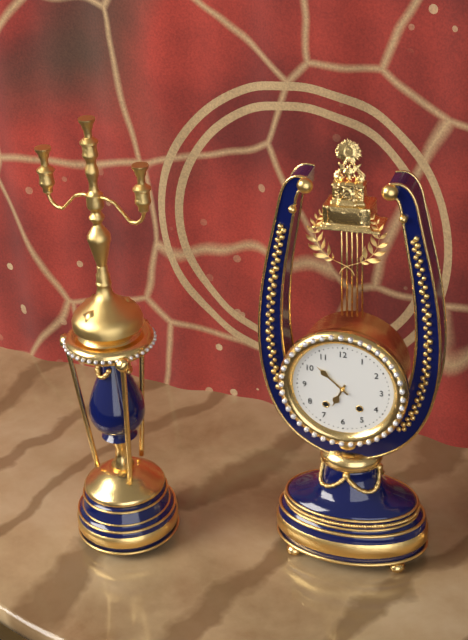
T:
6.52
